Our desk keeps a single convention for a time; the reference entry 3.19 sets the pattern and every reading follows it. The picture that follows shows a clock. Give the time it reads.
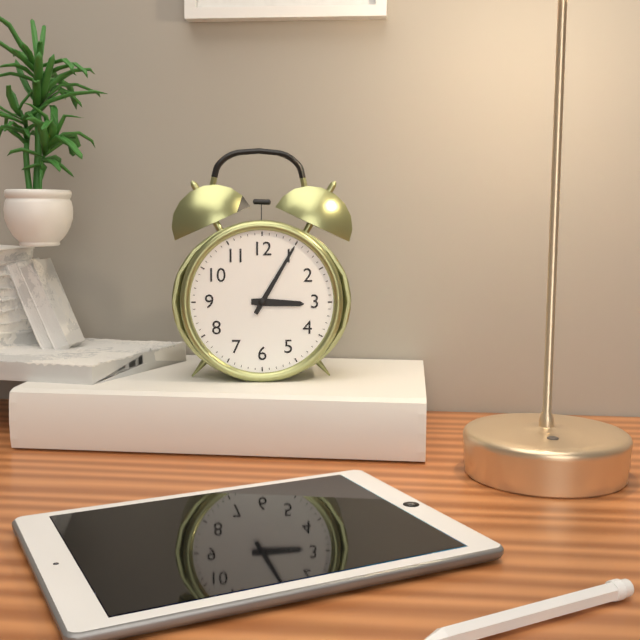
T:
3.05
